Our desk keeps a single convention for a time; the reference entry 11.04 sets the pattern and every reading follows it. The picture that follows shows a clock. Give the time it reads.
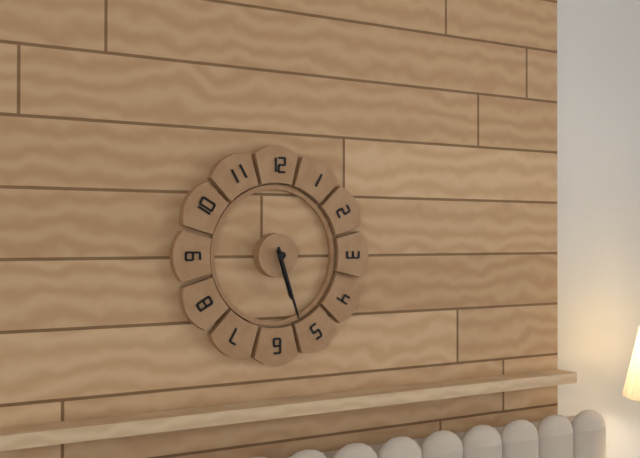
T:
5.27
